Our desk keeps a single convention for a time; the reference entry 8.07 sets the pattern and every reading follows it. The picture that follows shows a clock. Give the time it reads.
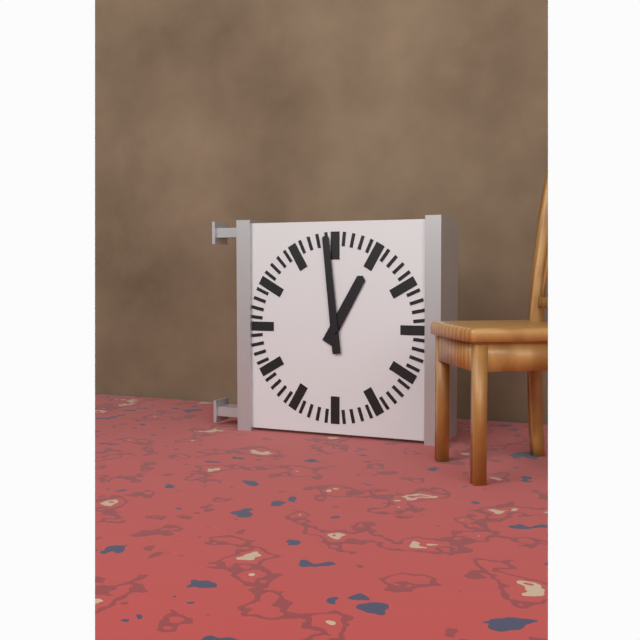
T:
12.59
